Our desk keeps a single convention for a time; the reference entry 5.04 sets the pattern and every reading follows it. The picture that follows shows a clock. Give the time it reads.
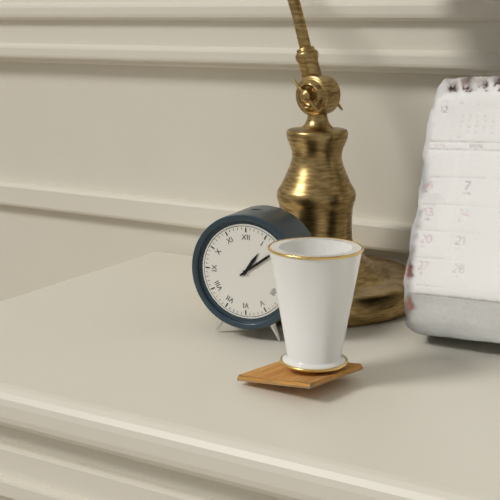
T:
1.09
